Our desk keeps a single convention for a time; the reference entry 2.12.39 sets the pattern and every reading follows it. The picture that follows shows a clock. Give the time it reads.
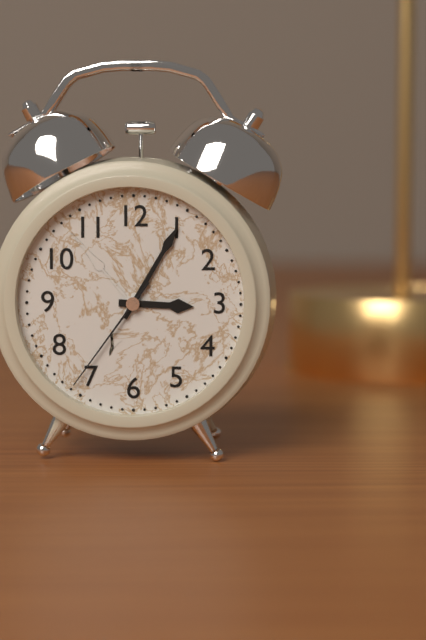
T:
3.05.36
